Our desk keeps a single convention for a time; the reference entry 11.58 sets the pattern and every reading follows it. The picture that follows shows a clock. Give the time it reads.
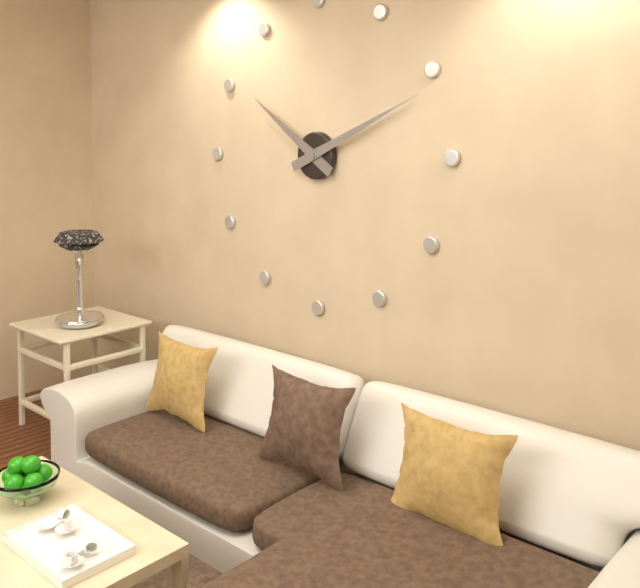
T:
10.11
